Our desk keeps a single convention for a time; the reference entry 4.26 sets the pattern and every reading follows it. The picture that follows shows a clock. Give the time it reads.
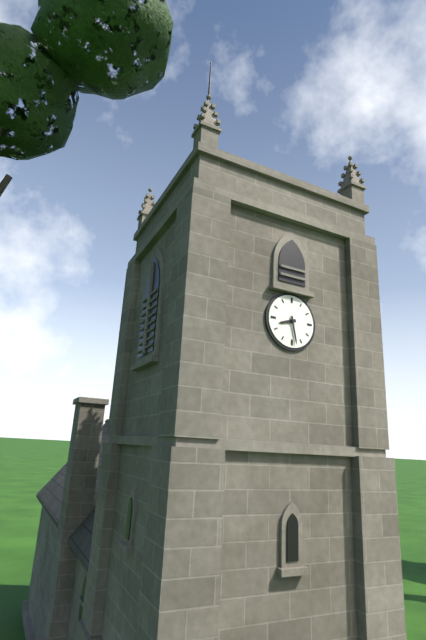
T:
8.28
